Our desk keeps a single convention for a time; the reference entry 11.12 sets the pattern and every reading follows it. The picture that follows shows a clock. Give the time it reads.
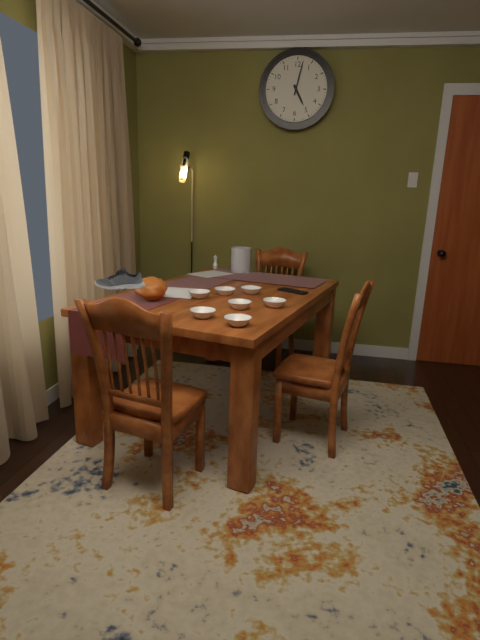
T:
5.02
